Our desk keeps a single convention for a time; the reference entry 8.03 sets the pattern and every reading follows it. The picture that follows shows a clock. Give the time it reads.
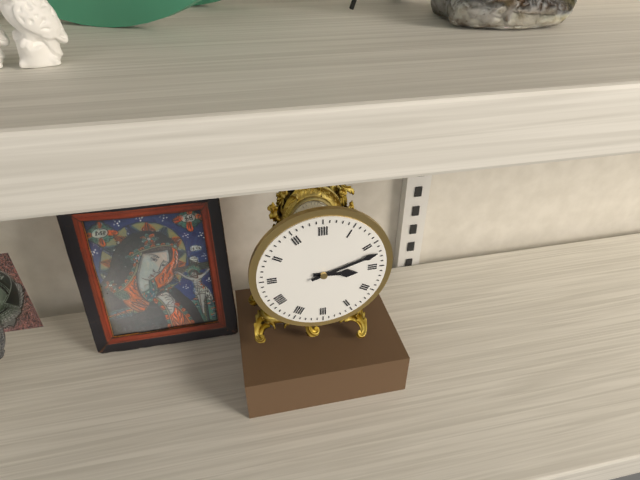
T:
3.12
